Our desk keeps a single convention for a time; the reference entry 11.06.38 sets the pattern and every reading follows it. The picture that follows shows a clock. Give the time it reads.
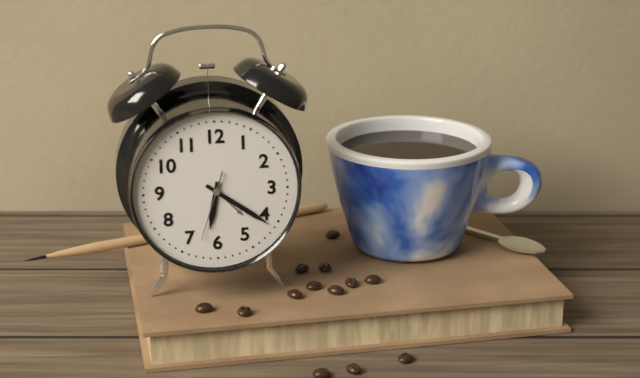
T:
6.21.33
